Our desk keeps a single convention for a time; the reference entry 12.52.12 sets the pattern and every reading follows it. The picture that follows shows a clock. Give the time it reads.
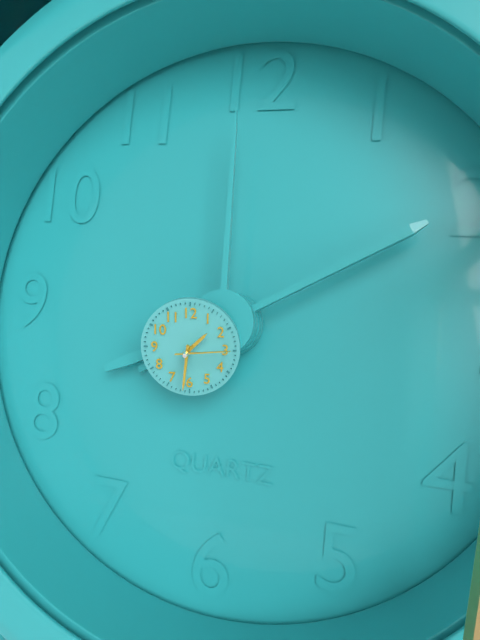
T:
1.31.14
